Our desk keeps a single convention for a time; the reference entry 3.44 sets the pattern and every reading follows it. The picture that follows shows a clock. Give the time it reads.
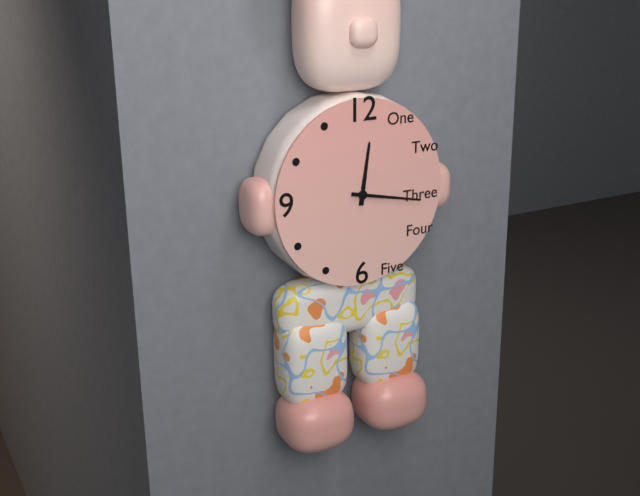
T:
12.17
